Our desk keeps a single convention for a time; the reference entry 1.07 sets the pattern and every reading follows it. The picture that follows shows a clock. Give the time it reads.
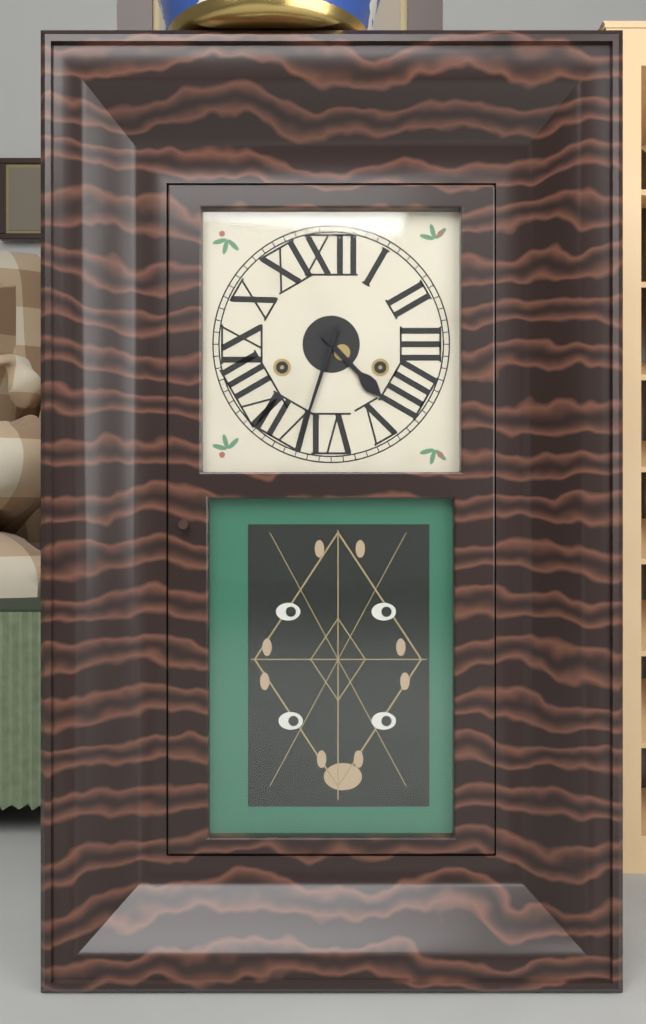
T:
4.33
